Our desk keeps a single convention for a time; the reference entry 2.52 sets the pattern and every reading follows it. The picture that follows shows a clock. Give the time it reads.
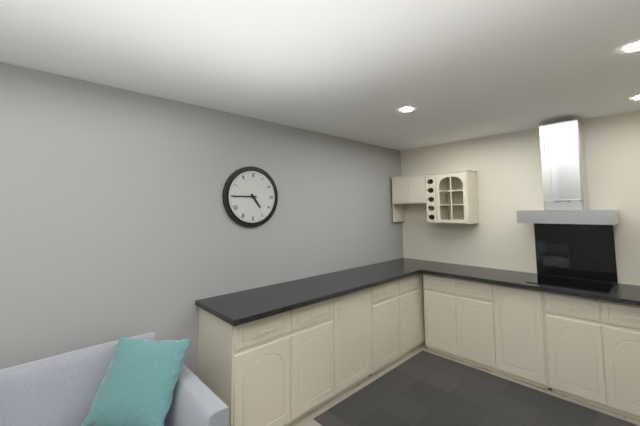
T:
4.45
